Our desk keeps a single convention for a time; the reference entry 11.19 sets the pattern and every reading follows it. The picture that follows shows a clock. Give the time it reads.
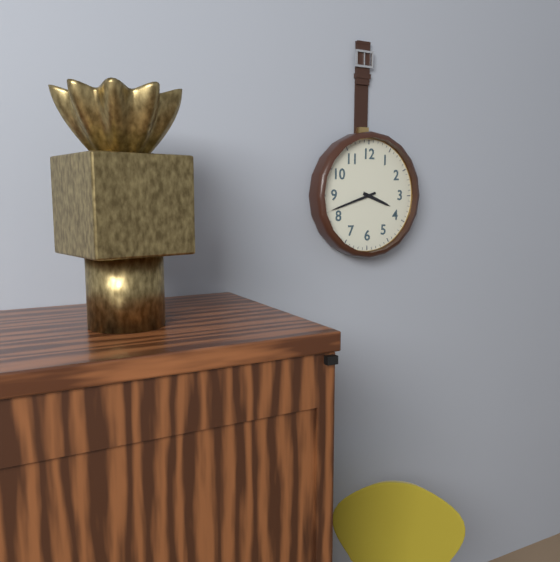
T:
3.42
